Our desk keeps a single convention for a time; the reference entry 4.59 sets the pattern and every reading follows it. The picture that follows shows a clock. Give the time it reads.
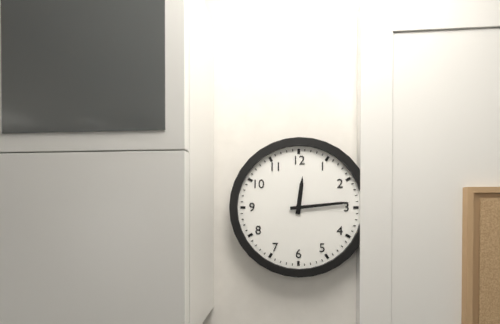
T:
12.14
